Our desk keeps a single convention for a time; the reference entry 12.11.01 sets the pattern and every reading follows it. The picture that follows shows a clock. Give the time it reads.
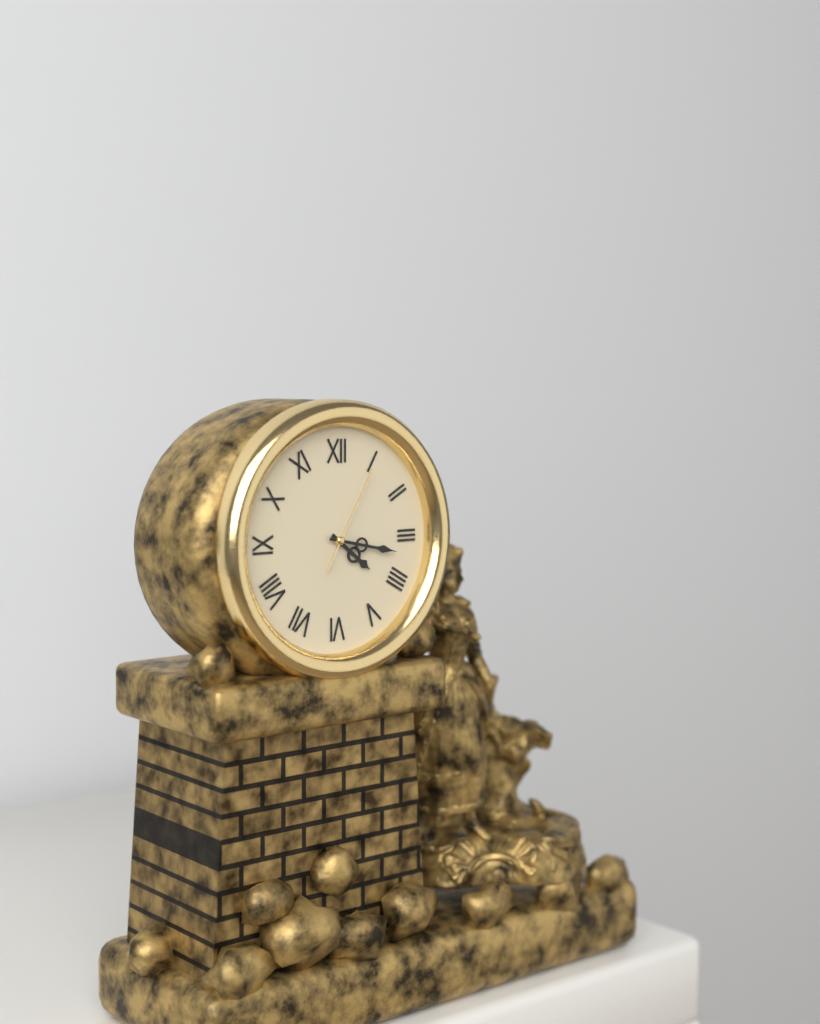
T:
4.17.05
